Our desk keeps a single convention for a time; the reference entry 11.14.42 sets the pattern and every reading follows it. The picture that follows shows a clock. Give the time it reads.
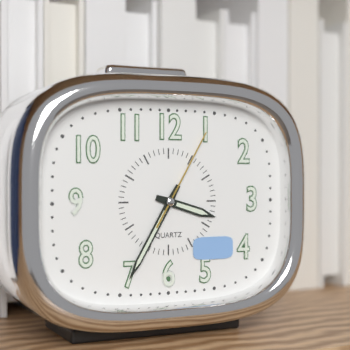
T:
3.35.05
